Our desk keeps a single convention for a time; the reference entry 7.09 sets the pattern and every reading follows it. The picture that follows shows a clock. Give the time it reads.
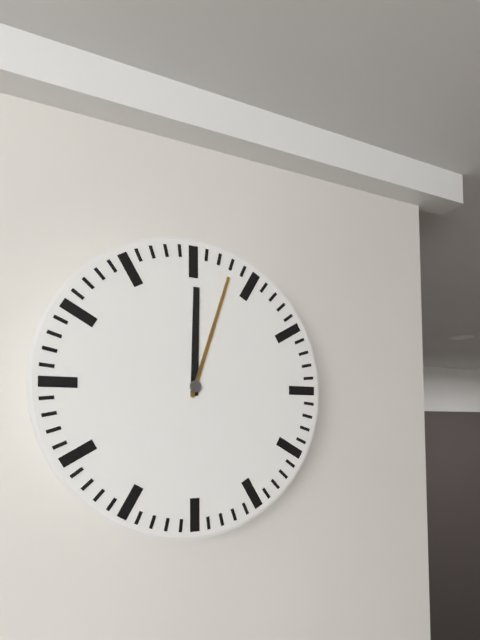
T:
12.03
